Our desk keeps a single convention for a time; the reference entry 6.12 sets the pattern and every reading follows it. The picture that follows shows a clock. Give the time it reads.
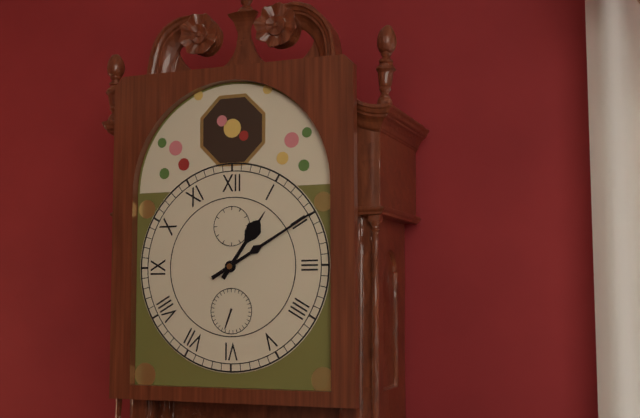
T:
1.10
